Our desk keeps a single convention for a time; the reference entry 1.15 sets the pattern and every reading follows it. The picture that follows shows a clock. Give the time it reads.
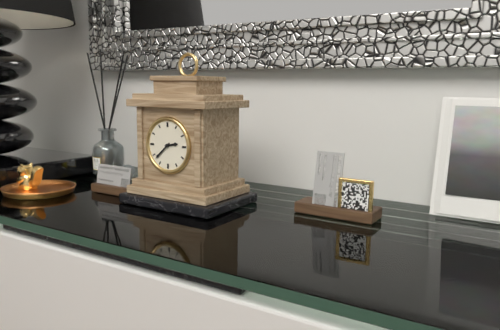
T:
2.38
